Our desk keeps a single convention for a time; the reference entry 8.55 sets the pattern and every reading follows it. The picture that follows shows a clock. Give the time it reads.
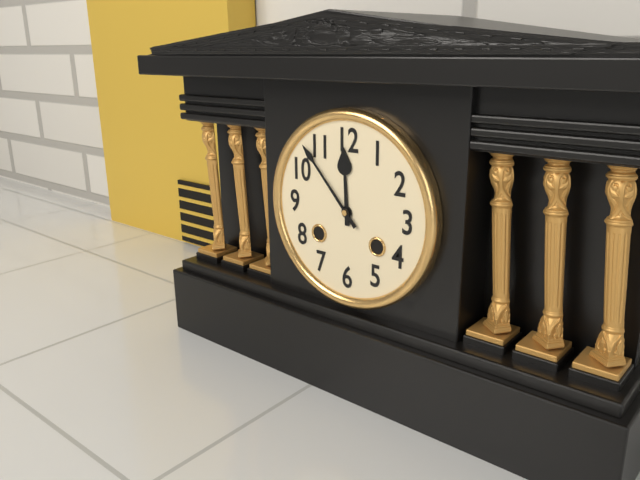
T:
11.53
